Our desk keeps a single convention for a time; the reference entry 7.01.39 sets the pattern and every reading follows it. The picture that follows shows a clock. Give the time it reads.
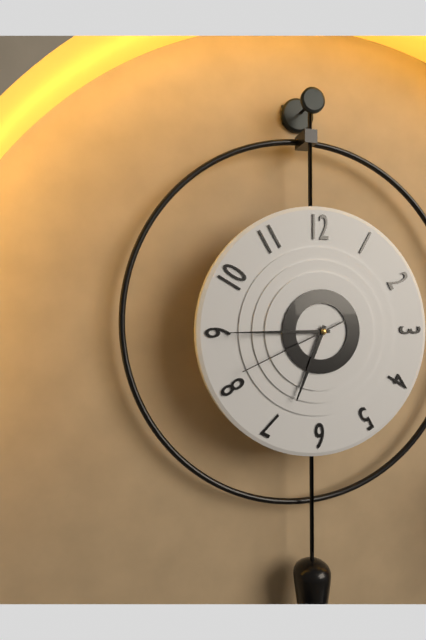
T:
6.45.41
